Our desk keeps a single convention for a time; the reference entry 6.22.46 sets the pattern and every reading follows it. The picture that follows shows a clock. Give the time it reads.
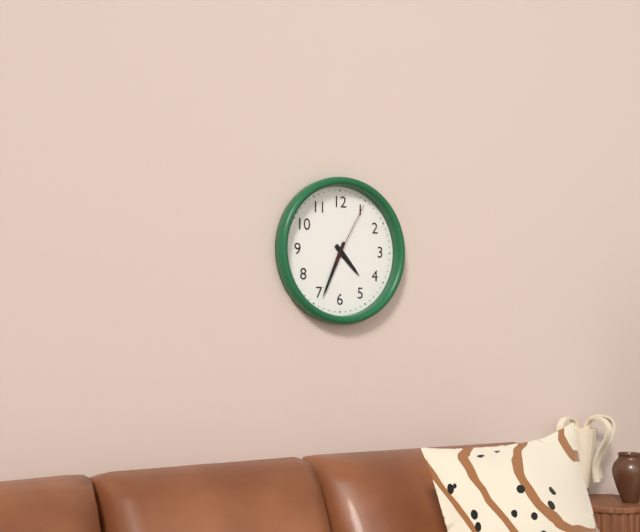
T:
4.34.05
